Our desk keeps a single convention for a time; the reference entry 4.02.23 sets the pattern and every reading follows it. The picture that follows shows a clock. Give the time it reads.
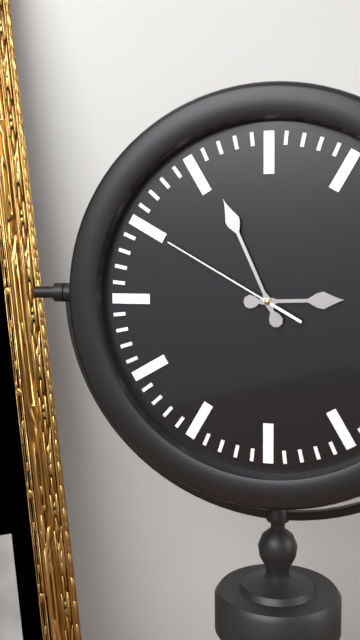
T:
2.56.50
